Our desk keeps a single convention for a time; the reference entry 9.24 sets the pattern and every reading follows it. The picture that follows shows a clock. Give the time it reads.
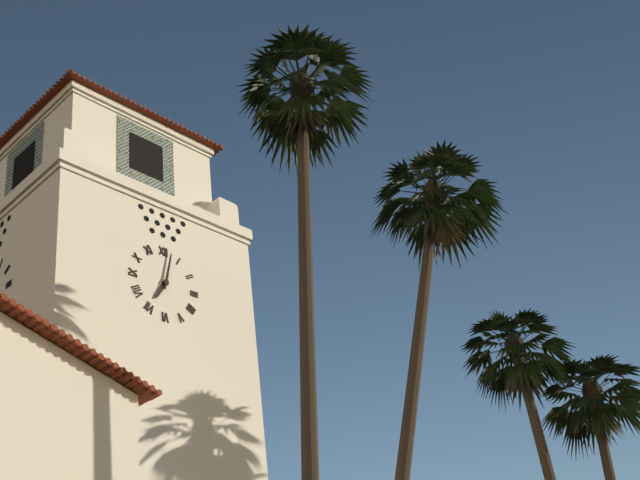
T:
7.02
